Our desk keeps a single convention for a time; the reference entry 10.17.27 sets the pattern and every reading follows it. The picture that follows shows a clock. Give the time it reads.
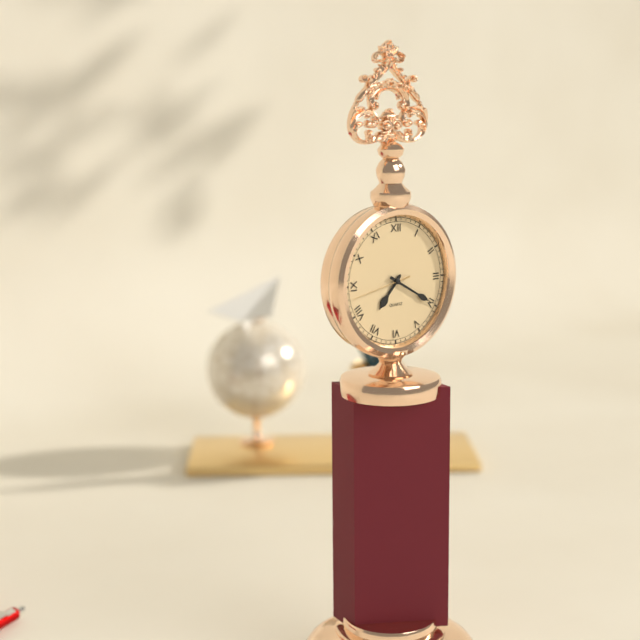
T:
7.20.43
